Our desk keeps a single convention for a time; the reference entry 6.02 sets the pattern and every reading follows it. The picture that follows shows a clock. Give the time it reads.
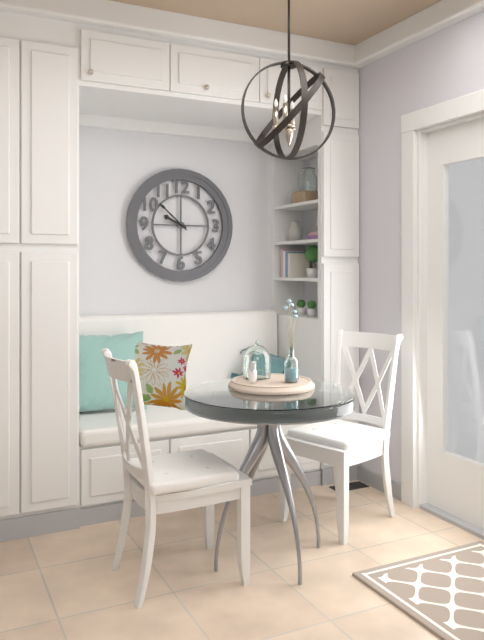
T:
9.52
